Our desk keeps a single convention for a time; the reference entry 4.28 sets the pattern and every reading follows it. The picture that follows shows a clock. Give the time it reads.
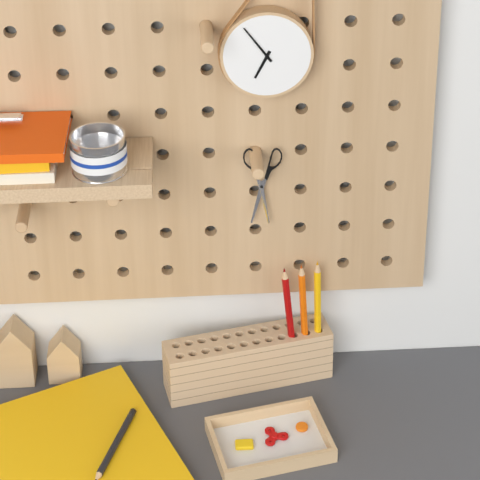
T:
6.54
